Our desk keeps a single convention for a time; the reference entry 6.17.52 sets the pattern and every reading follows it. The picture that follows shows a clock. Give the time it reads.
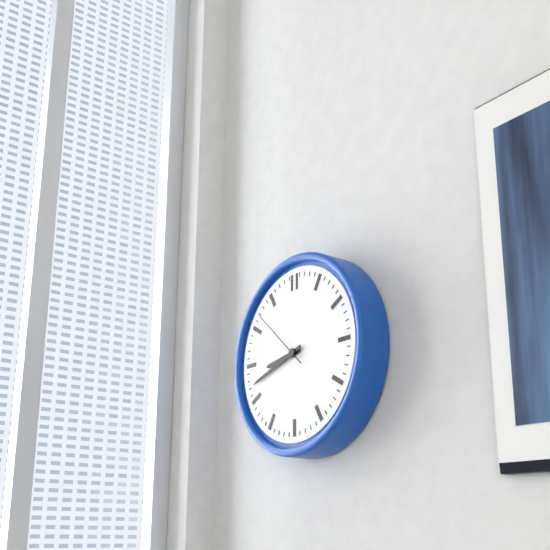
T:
8.42.52
